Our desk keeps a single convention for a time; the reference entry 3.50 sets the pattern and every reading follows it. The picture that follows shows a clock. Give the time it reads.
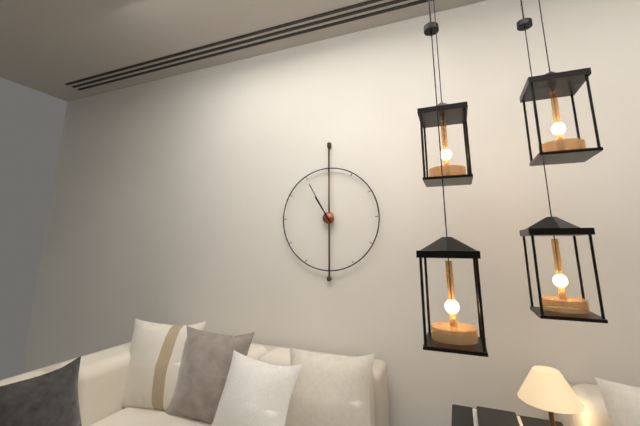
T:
10.55
